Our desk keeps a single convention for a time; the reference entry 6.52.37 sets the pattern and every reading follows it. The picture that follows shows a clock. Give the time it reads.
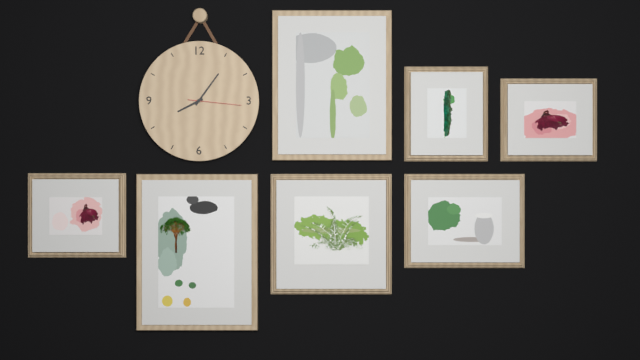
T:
8.06.16
